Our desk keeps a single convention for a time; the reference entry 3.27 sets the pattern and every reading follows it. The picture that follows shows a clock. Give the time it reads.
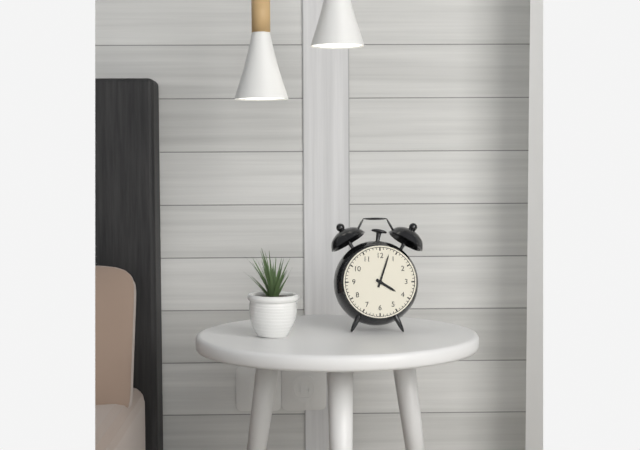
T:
4.03
